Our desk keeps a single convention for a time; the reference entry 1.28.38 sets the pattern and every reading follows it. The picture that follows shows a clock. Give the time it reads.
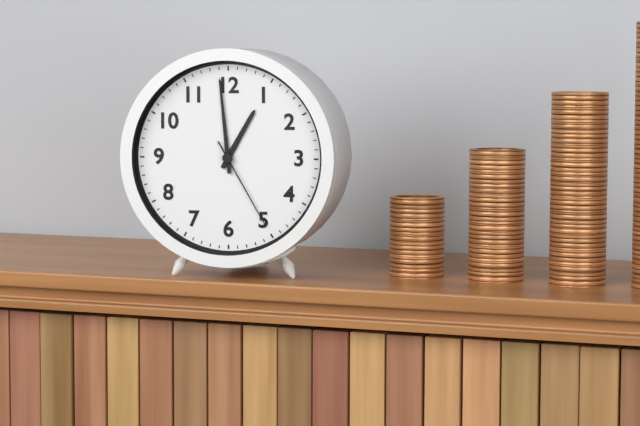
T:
12.59.25
